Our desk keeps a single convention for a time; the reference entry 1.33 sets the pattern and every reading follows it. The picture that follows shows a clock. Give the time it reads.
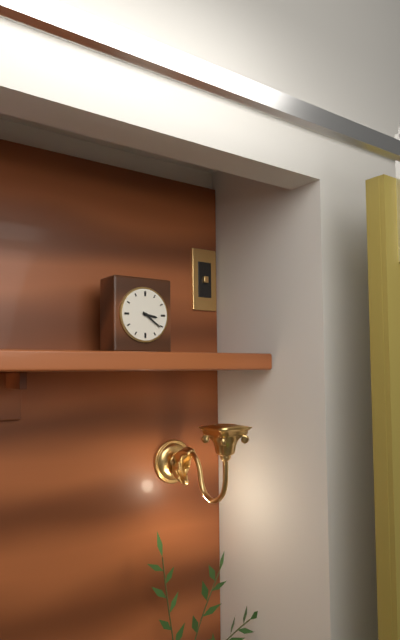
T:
3.21
